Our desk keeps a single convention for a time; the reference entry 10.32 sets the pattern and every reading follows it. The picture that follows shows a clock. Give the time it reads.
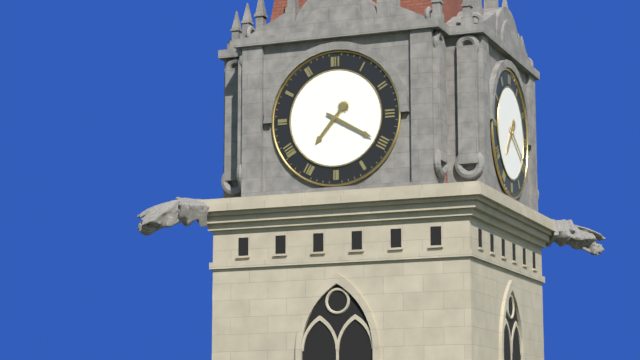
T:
7.20
